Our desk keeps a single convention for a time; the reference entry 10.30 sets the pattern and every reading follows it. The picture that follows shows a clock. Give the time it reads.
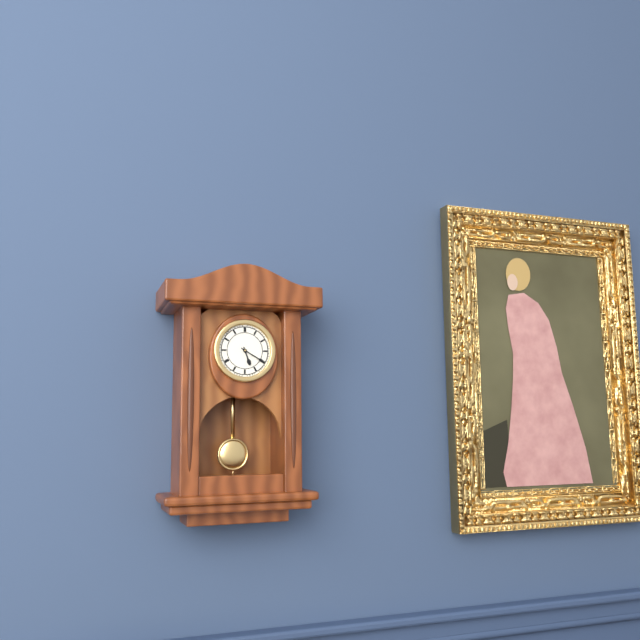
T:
5.20
